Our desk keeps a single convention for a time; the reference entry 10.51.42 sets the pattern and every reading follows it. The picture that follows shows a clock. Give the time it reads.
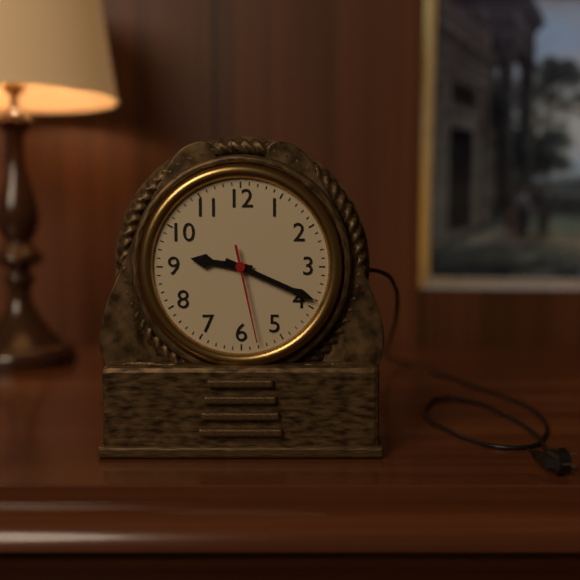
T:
9.19.28
